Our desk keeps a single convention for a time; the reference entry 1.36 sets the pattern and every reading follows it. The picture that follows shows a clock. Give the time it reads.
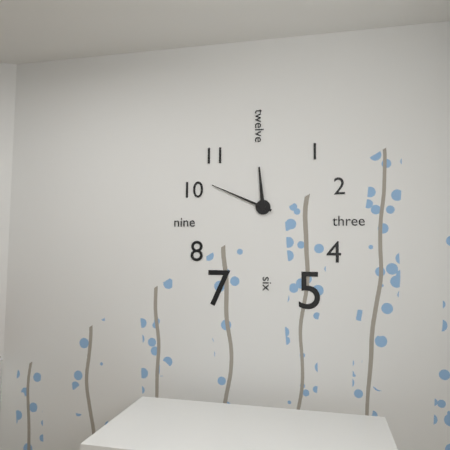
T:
11.49
